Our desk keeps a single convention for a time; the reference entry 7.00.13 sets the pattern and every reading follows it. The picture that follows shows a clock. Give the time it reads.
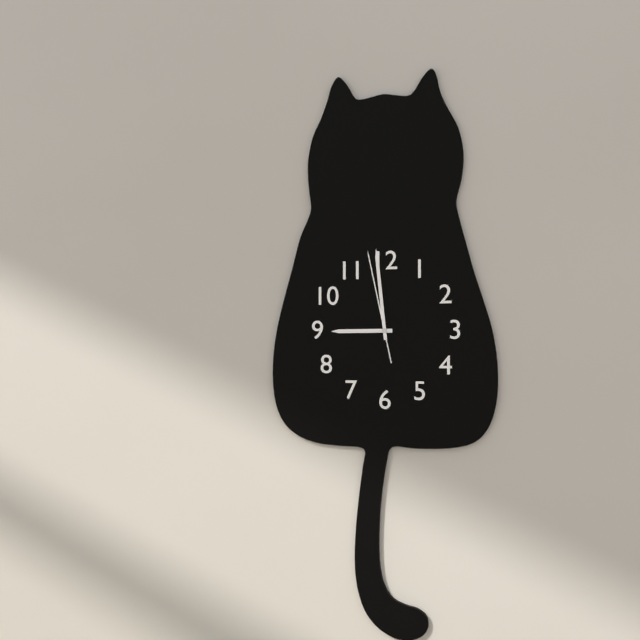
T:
8.59.58
